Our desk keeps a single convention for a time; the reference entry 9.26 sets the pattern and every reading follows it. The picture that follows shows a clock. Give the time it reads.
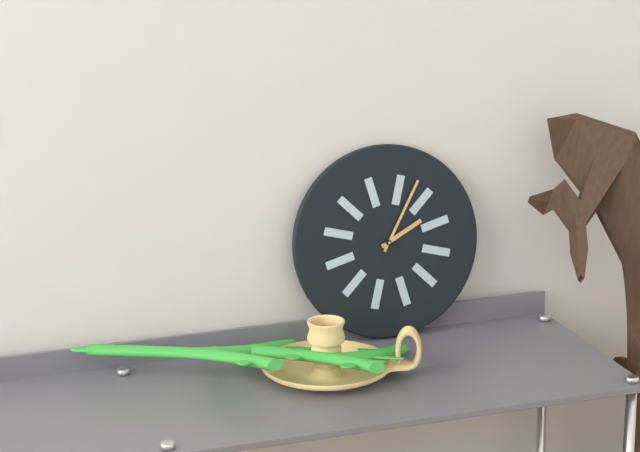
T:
2.05
